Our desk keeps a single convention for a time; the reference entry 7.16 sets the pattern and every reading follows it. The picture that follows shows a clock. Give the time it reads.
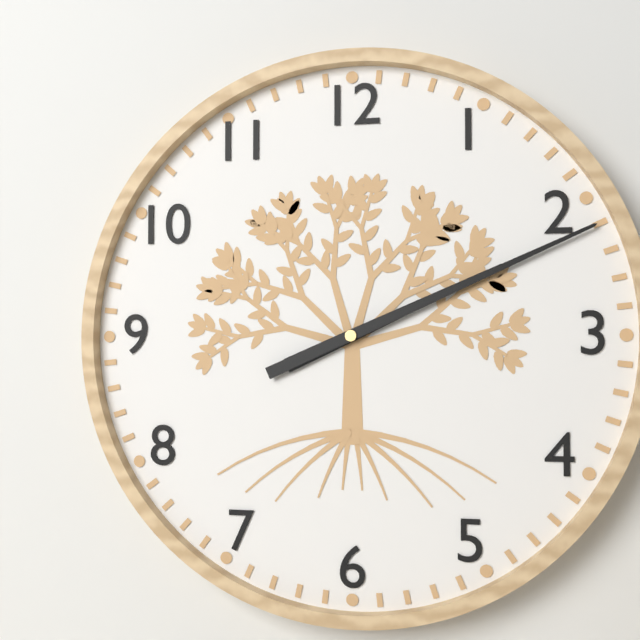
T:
2.11
